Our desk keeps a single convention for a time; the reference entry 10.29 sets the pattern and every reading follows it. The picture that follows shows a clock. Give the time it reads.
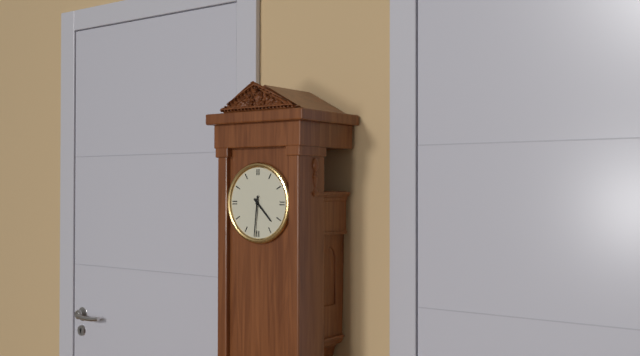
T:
4.31
